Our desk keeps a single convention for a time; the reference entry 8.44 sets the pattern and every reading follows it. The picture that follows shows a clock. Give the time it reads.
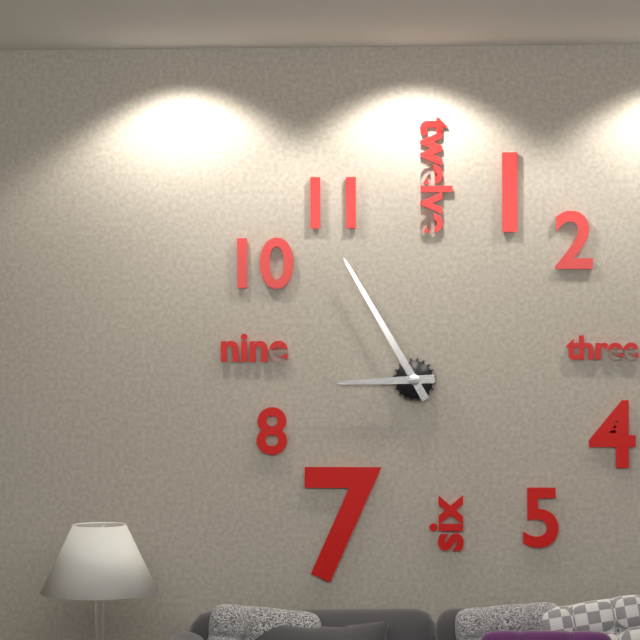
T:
8.55
